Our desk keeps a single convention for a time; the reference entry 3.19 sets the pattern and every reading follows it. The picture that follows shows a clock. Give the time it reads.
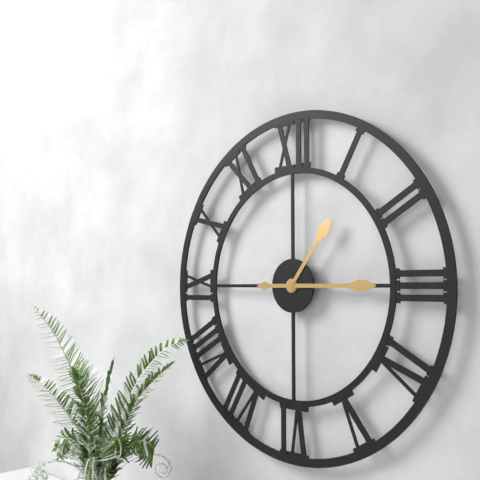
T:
1.15
